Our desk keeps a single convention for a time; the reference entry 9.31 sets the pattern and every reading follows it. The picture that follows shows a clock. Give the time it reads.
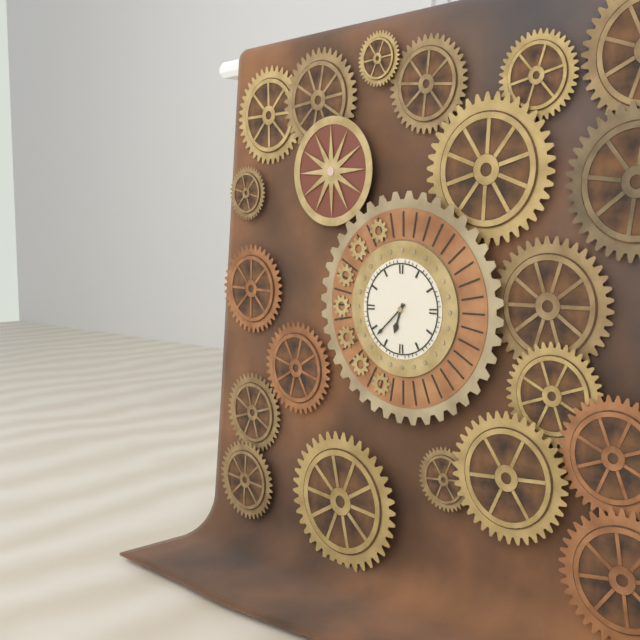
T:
6.38
